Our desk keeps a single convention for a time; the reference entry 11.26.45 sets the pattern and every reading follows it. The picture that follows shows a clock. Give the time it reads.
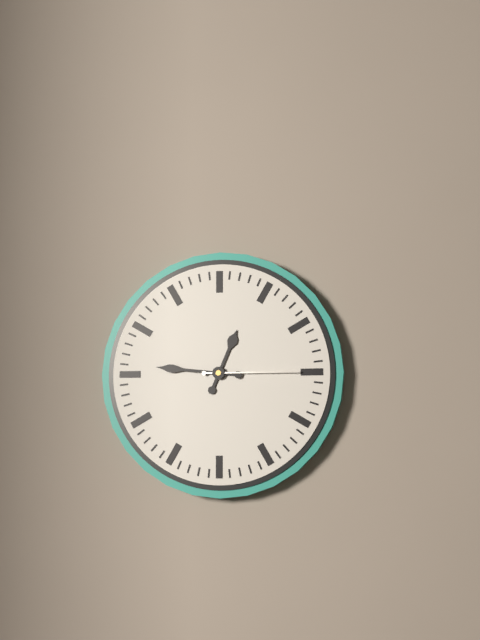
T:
12.46.15
